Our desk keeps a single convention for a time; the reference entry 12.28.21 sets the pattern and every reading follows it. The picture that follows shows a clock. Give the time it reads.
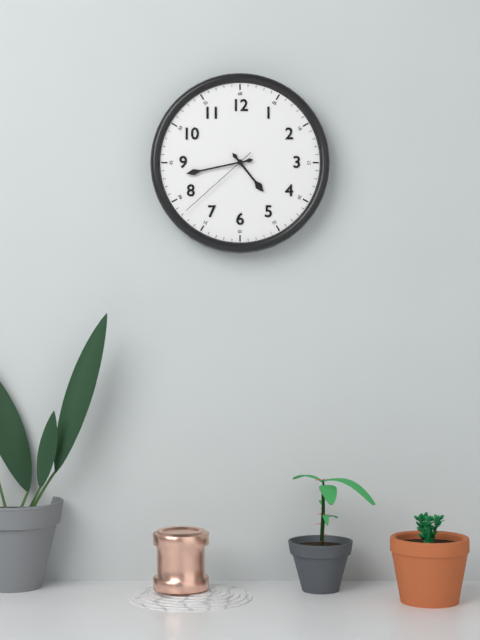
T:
4.43.38
